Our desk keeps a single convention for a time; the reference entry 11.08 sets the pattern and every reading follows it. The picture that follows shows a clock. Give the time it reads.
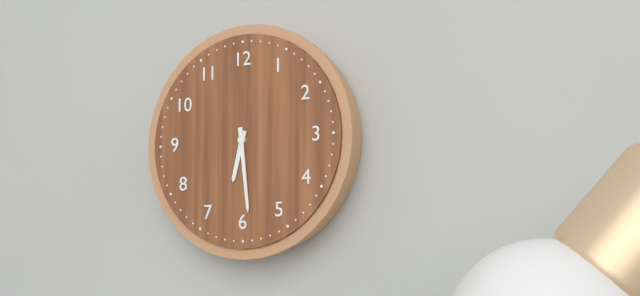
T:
6.29
